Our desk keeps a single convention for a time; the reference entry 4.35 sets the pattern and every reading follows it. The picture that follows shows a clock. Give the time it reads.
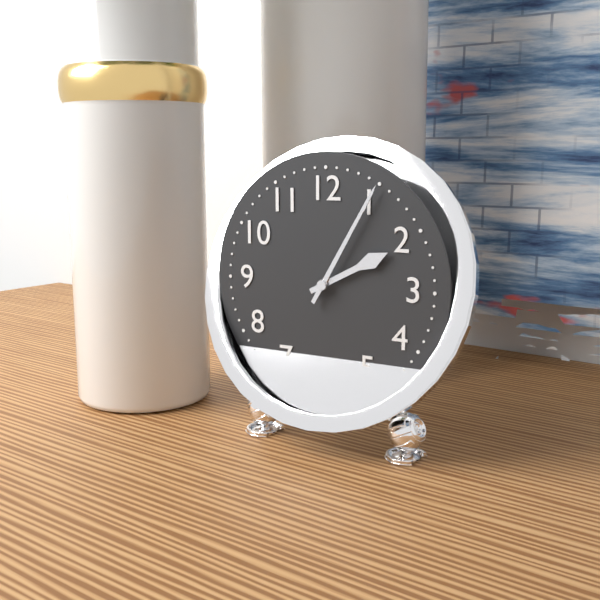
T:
2.05
